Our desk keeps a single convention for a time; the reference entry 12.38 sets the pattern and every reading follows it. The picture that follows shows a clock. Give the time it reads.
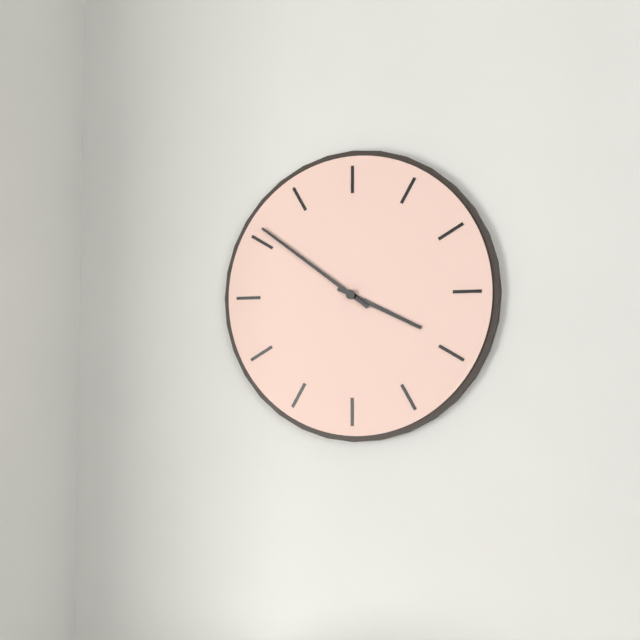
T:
3.51
